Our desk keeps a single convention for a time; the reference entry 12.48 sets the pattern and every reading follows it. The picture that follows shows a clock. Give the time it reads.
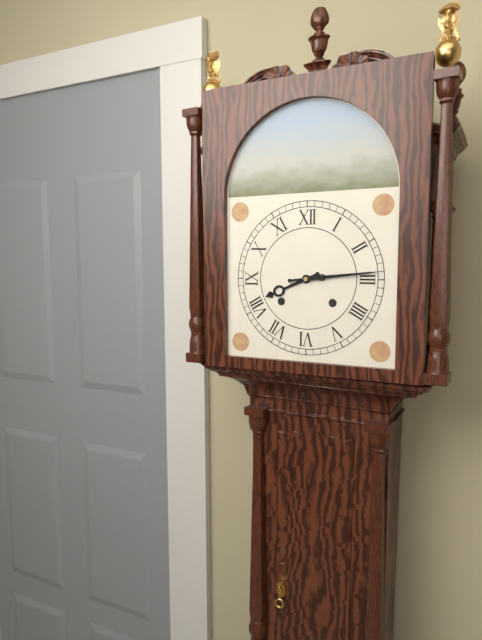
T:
8.14
